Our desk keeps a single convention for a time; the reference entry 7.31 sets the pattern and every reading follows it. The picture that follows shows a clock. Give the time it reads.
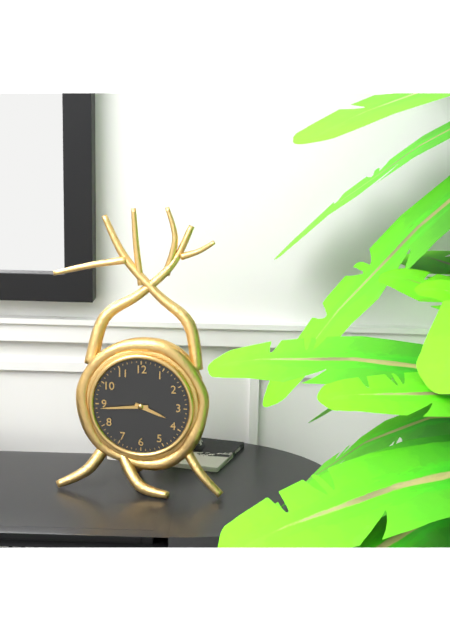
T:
3.44
